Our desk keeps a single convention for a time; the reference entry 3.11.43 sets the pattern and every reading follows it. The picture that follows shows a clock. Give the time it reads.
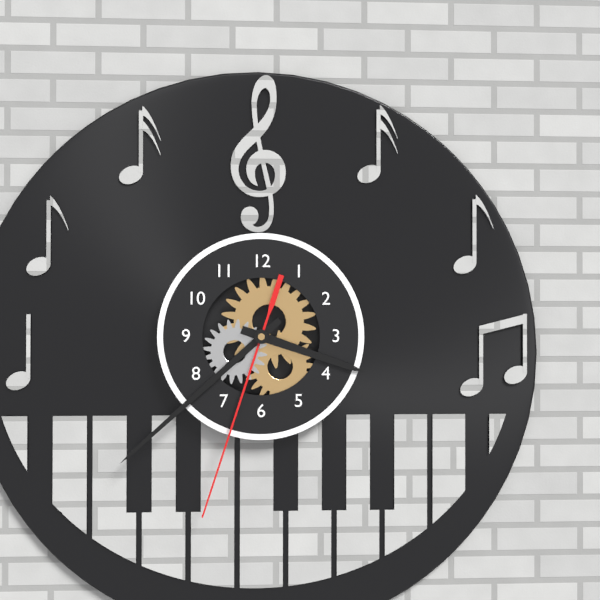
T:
3.38.33
